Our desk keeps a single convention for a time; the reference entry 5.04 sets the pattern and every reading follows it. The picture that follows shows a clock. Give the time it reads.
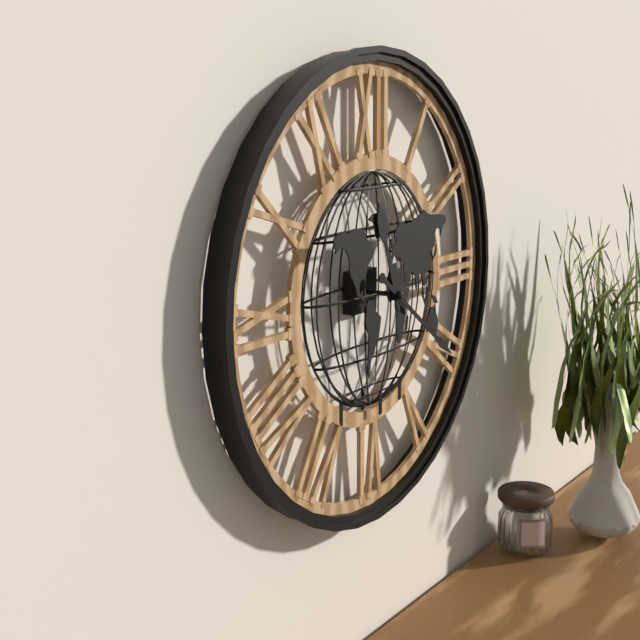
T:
11.21
